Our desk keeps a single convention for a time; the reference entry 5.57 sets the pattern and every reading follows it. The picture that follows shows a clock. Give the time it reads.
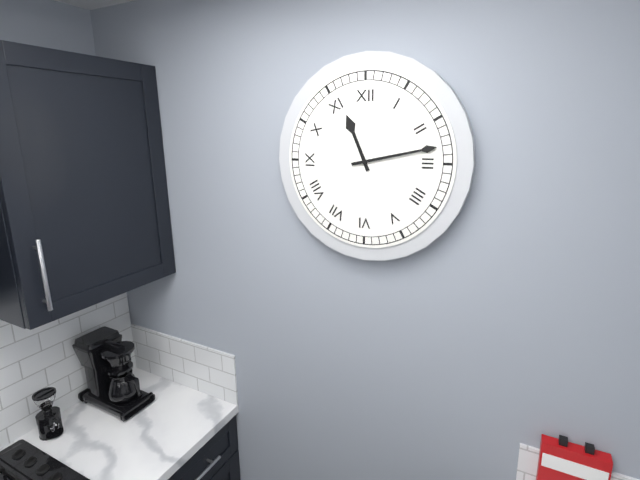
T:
11.13
